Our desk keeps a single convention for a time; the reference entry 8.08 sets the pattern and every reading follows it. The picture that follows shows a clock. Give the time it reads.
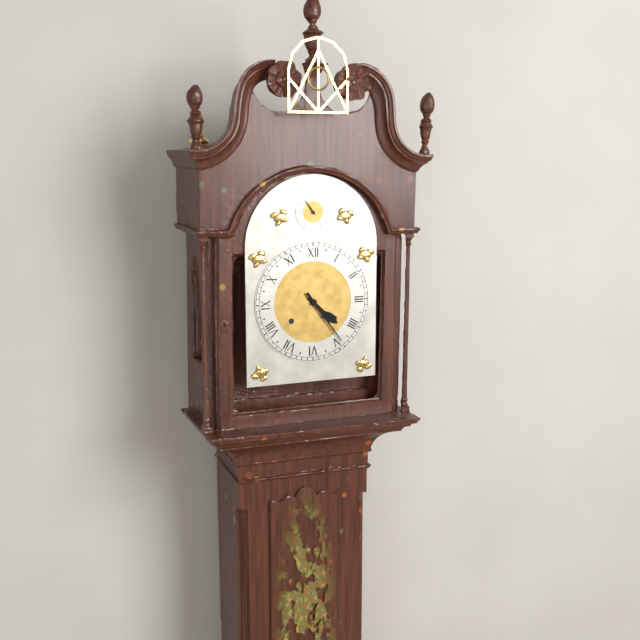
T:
4.24
